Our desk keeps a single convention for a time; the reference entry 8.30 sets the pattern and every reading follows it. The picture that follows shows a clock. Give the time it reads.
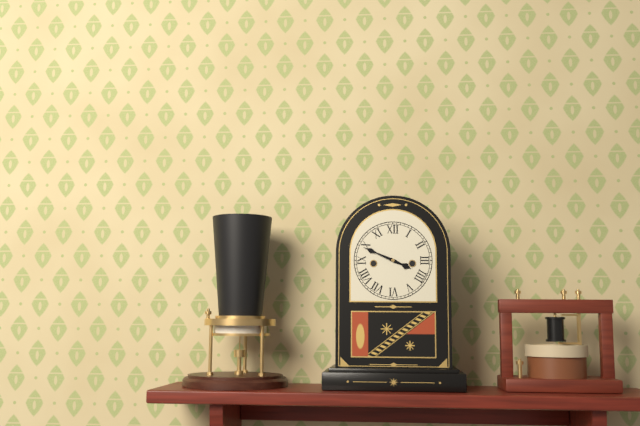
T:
3.49
